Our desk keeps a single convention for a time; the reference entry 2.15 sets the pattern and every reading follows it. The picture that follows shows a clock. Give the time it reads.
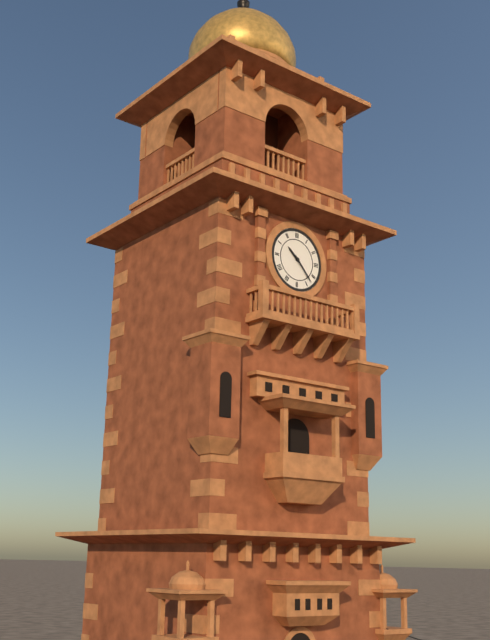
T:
10.23
